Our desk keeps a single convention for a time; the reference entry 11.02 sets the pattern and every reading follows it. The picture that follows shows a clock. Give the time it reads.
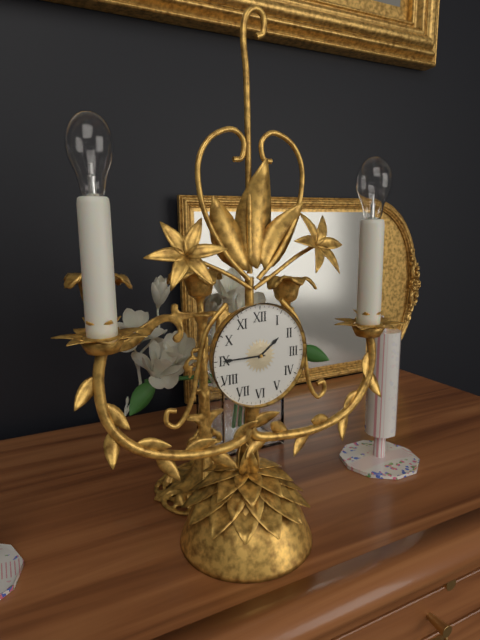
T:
1.45
